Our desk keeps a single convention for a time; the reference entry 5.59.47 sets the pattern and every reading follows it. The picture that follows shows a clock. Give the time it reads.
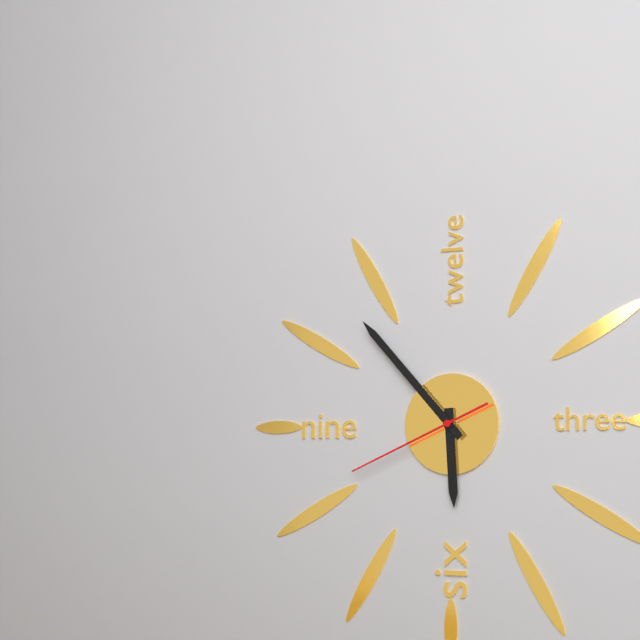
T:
5.53.41
